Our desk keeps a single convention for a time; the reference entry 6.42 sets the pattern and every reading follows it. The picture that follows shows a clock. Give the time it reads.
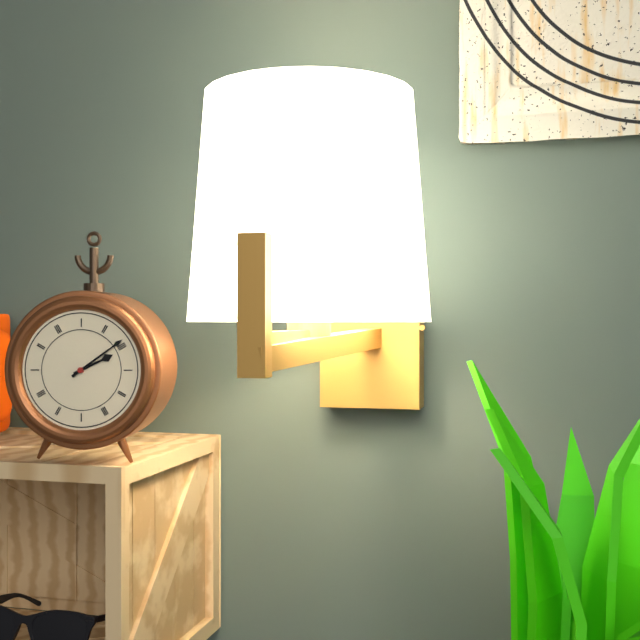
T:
2.09
